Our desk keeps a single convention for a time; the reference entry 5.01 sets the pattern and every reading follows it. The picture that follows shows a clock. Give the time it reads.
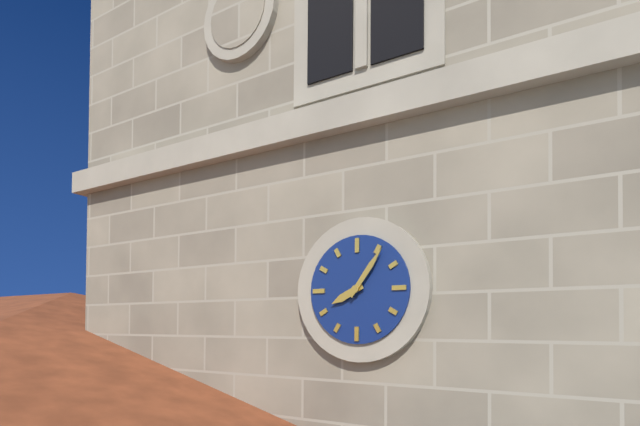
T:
8.06
